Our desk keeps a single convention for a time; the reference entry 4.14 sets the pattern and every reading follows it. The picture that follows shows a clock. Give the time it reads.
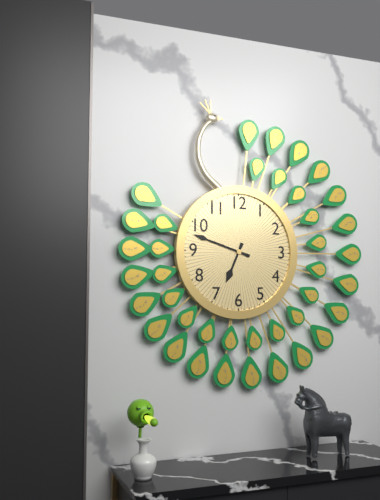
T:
6.48
